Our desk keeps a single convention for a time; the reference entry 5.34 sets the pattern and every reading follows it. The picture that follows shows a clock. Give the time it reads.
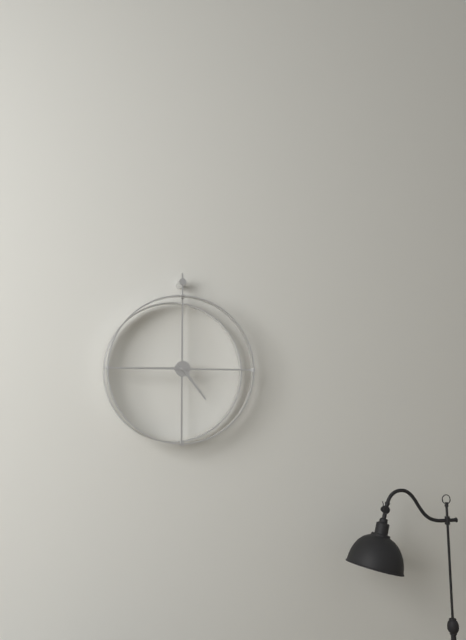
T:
4.45
